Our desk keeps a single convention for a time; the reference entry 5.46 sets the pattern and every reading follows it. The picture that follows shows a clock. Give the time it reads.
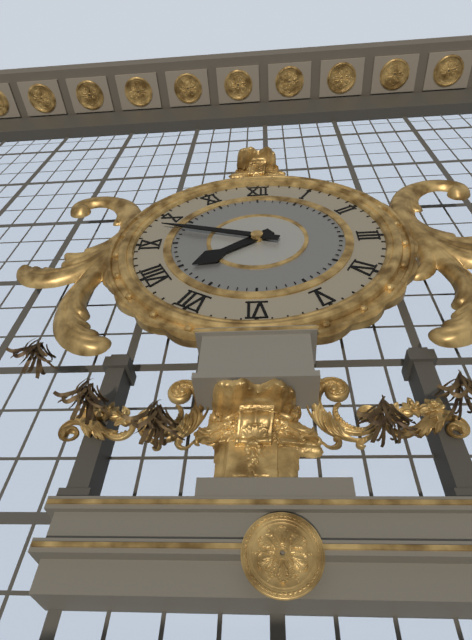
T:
7.48
